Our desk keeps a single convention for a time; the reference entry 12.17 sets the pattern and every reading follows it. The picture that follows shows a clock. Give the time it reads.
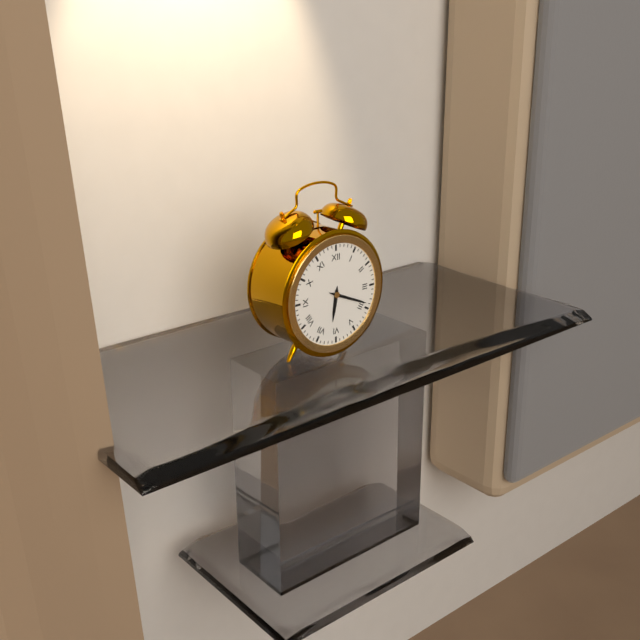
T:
6.19
